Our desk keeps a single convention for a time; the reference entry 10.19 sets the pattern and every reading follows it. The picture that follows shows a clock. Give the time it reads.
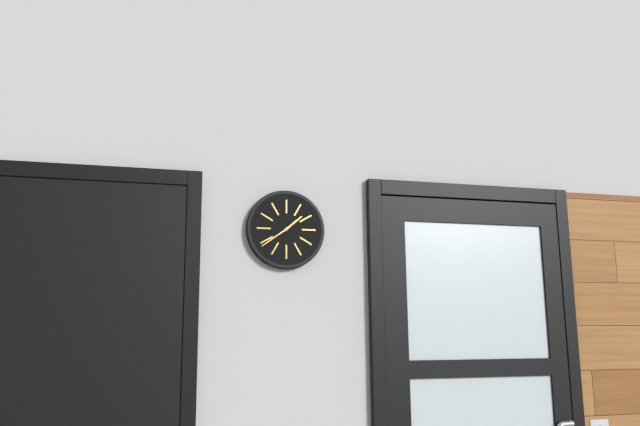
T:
1.39
